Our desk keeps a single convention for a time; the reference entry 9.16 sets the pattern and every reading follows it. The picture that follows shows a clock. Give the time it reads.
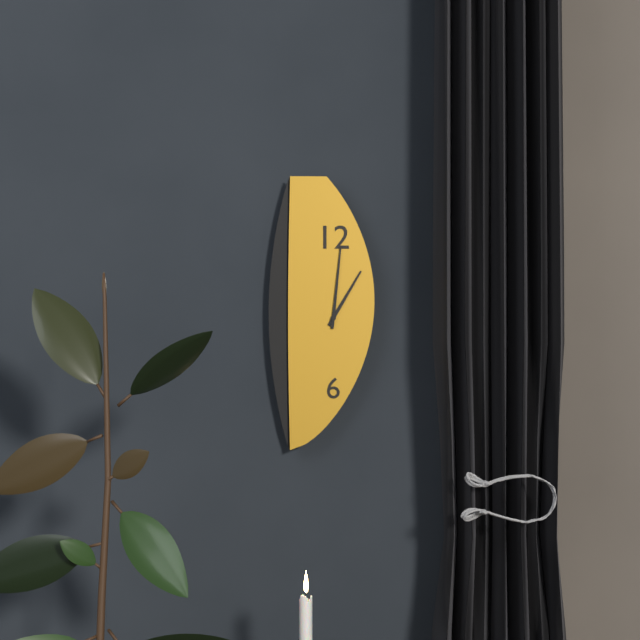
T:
1.01
